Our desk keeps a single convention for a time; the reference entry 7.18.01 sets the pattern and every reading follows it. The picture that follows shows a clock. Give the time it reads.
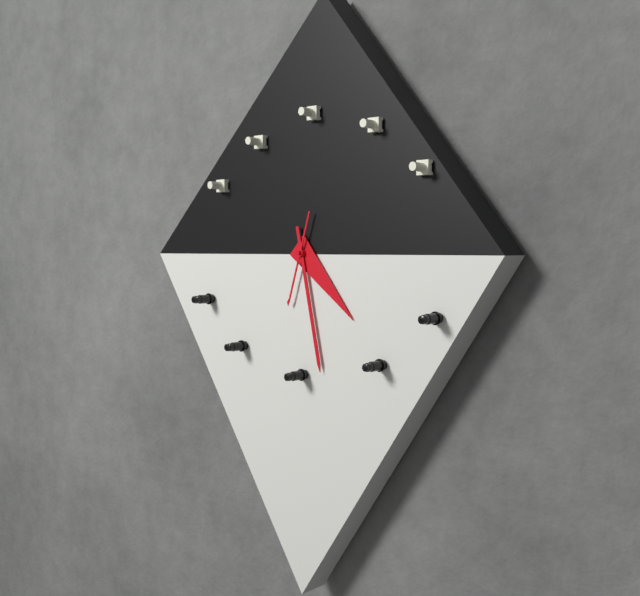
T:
4.28.33
